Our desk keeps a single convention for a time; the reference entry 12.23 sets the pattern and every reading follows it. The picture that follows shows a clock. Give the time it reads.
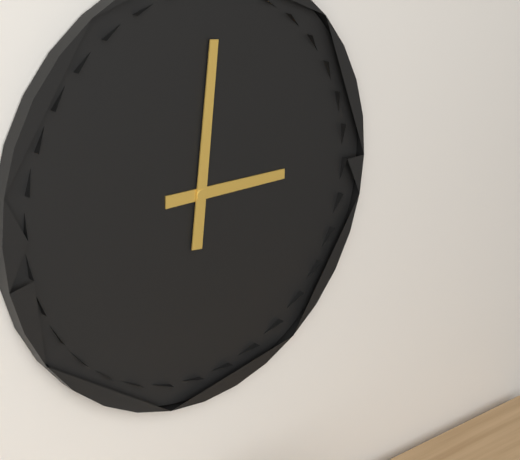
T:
3.01
